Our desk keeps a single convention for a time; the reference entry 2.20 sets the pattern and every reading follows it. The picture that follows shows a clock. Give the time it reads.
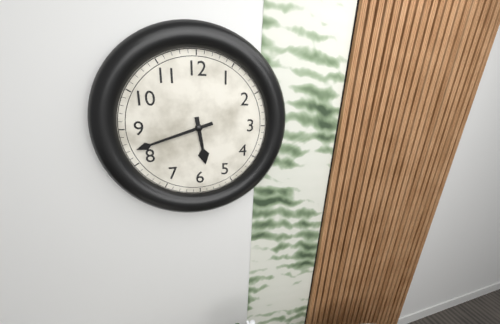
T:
5.42
